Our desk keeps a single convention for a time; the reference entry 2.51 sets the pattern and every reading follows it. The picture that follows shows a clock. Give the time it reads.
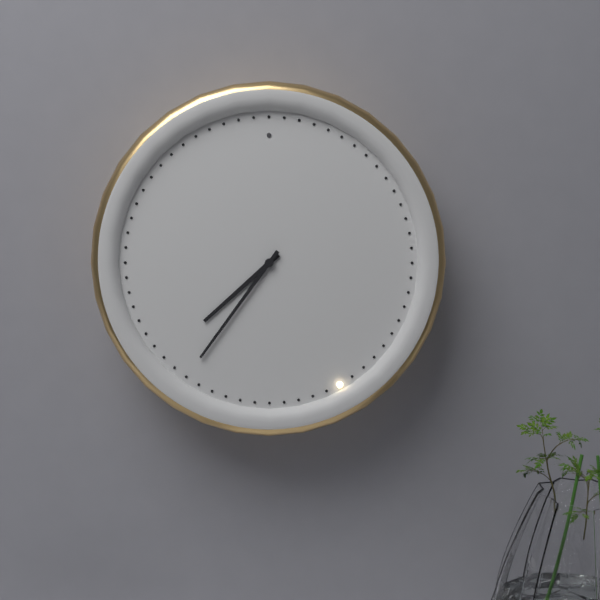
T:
7.36
